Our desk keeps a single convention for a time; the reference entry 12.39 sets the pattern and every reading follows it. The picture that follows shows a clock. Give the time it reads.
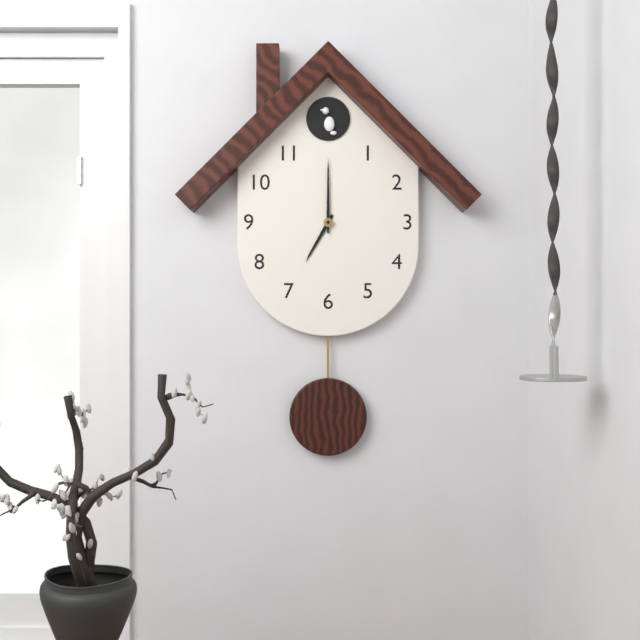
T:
7.00
